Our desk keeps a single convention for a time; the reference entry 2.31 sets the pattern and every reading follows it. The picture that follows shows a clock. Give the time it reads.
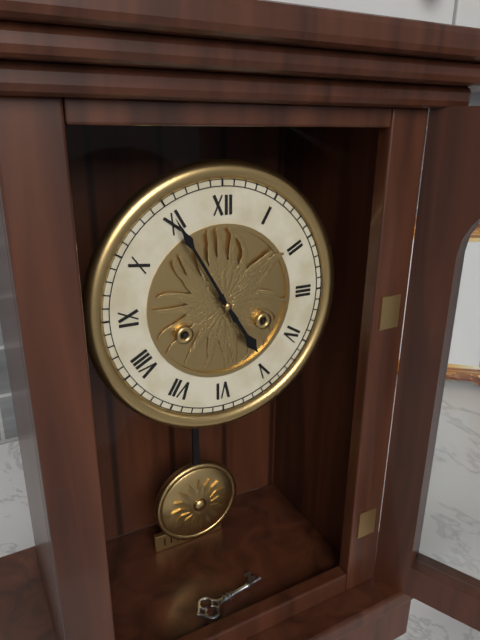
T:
4.55
